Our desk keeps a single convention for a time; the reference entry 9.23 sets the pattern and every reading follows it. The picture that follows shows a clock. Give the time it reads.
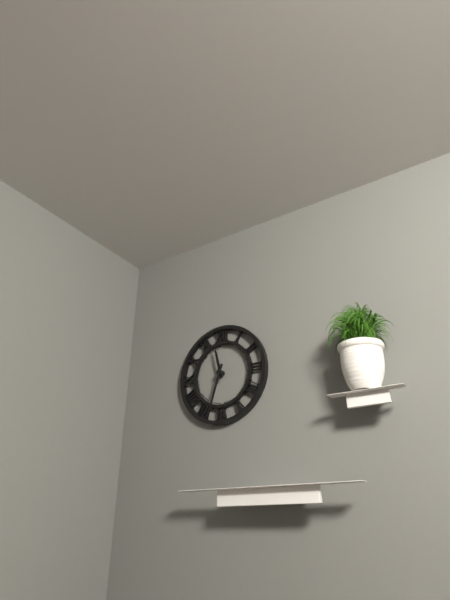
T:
11.33
